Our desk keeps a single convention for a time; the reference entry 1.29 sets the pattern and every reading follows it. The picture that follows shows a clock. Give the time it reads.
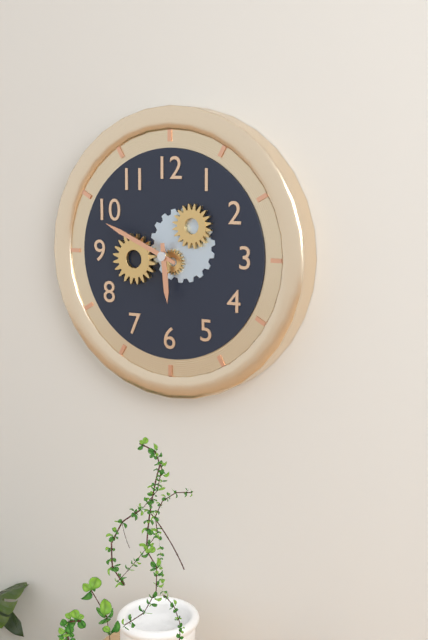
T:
5.49
